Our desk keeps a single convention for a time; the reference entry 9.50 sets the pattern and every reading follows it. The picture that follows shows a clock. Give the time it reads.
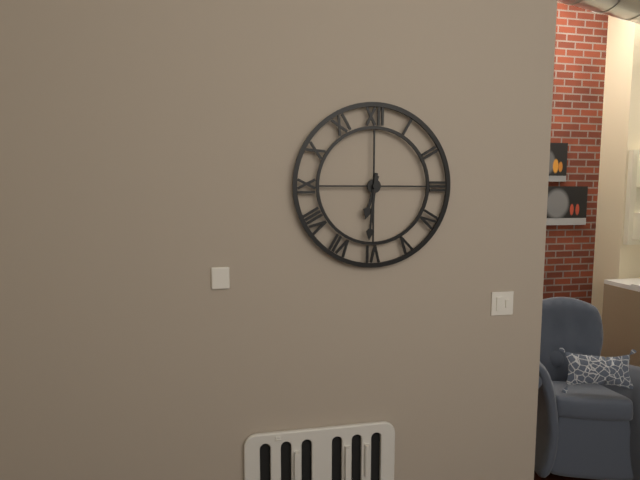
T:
6.31
